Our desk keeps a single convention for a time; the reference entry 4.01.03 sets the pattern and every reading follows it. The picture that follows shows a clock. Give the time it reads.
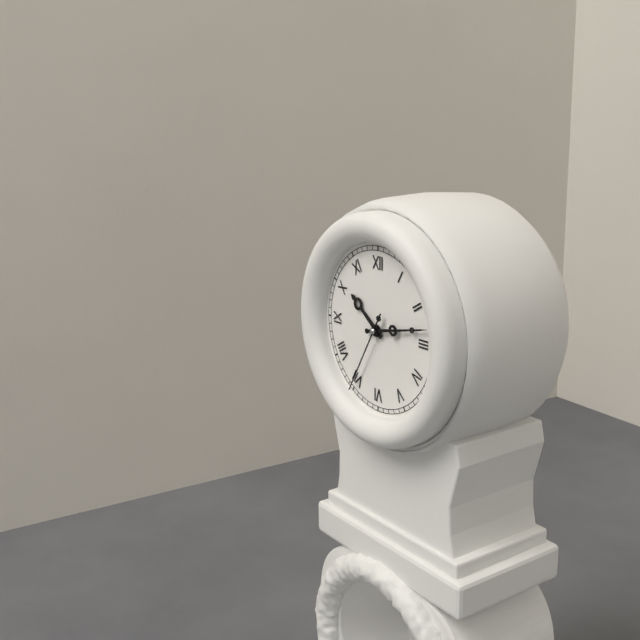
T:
10.13.35
